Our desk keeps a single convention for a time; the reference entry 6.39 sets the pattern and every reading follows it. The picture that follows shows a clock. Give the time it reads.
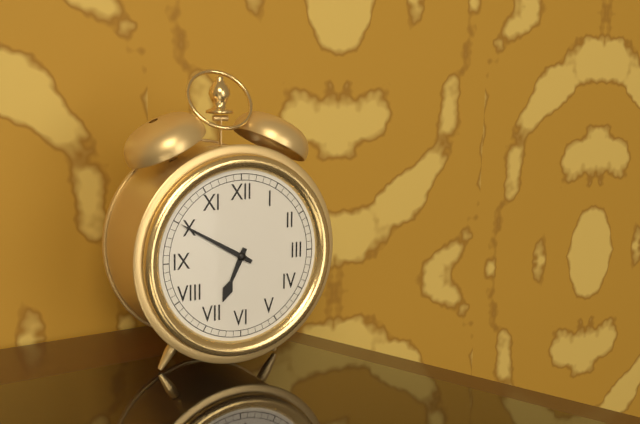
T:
6.50
